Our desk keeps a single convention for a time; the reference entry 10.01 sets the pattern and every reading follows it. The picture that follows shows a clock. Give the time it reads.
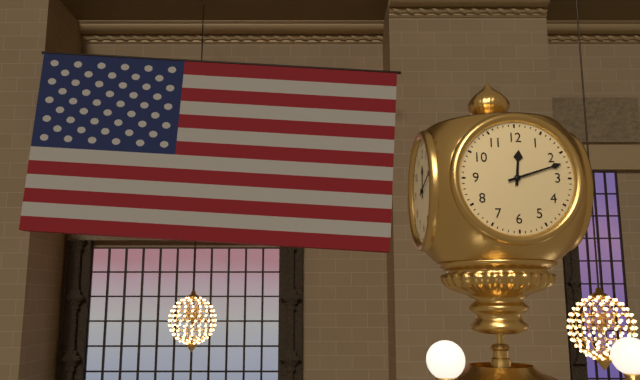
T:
12.12
